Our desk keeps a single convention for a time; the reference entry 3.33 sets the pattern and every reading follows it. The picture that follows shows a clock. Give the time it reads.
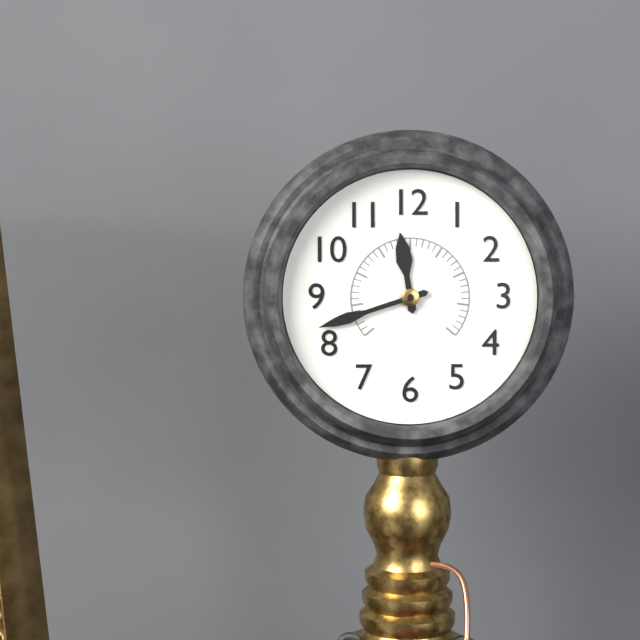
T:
11.42
